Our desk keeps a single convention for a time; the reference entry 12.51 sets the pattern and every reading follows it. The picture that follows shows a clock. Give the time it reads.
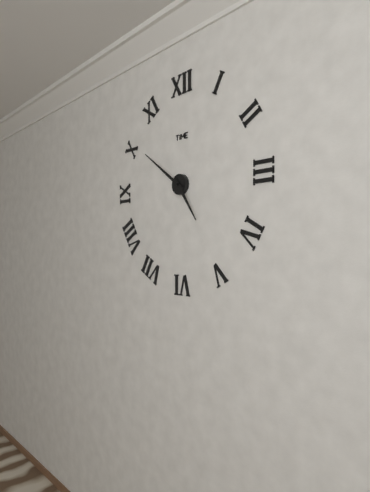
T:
4.51
